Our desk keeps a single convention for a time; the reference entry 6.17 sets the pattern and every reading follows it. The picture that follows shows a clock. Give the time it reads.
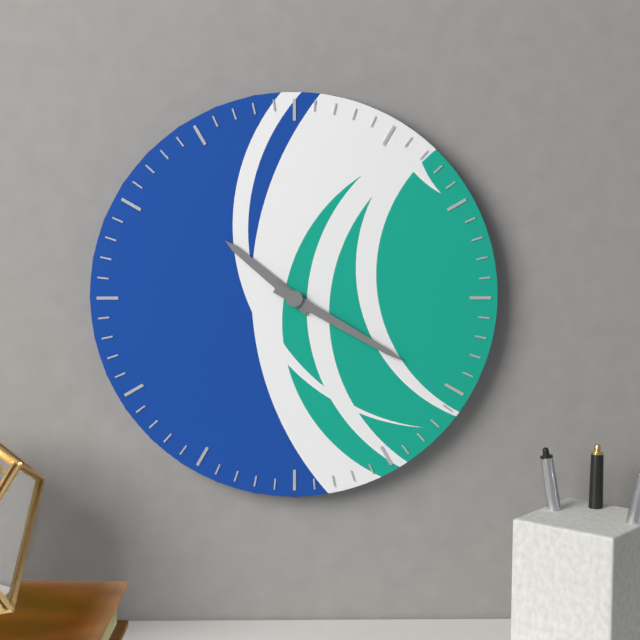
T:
10.20
